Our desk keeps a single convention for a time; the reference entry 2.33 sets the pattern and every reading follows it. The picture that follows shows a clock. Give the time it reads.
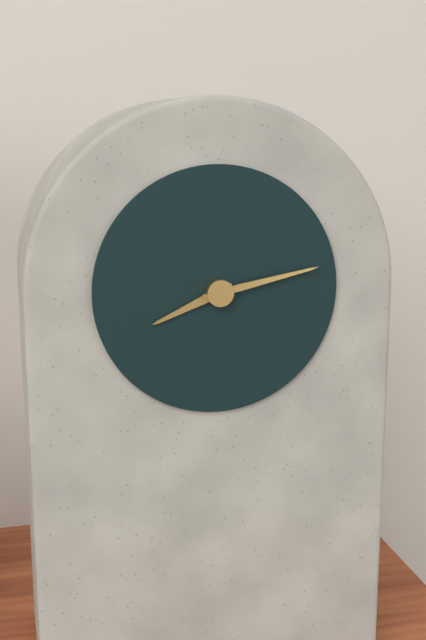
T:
8.13
